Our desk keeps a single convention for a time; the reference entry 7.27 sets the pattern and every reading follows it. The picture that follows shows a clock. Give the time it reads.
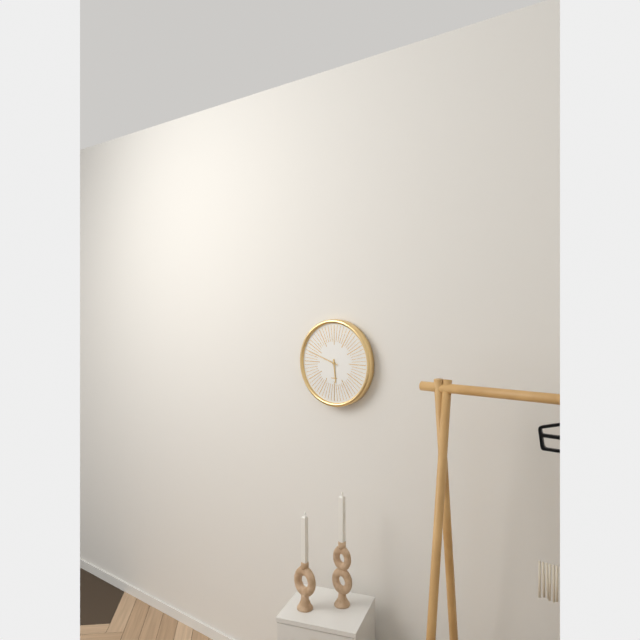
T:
5.48
